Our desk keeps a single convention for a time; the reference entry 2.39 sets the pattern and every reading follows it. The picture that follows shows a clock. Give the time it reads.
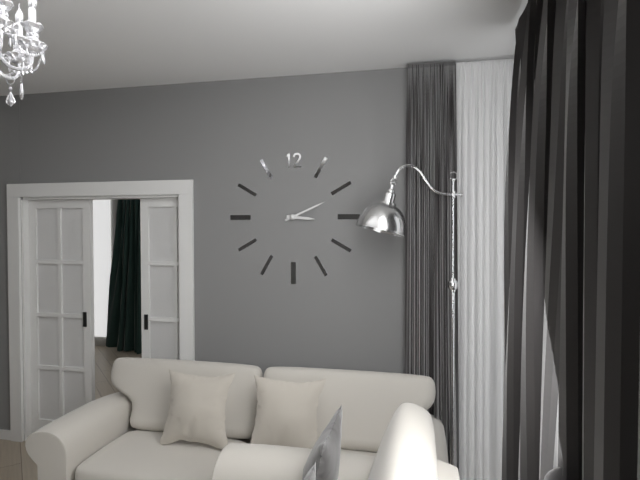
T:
3.11
